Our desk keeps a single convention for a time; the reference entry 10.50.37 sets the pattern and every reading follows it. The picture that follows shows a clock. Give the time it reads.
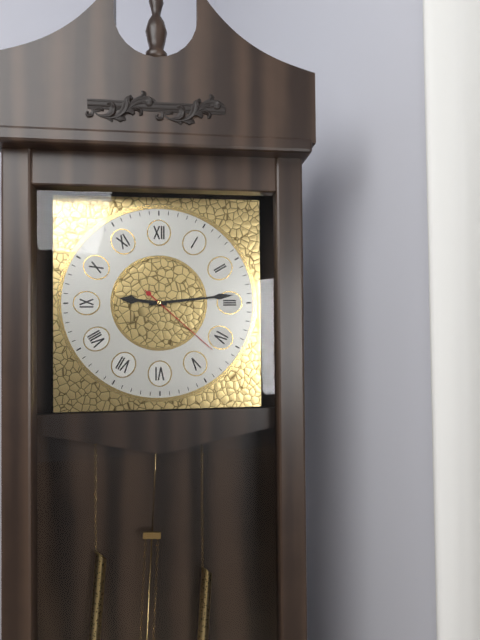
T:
9.14.22
